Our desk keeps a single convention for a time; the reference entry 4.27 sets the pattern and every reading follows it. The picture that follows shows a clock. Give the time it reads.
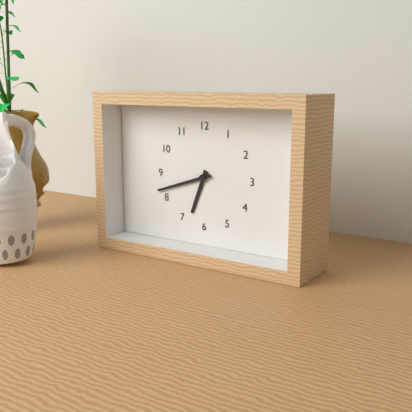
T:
6.42
